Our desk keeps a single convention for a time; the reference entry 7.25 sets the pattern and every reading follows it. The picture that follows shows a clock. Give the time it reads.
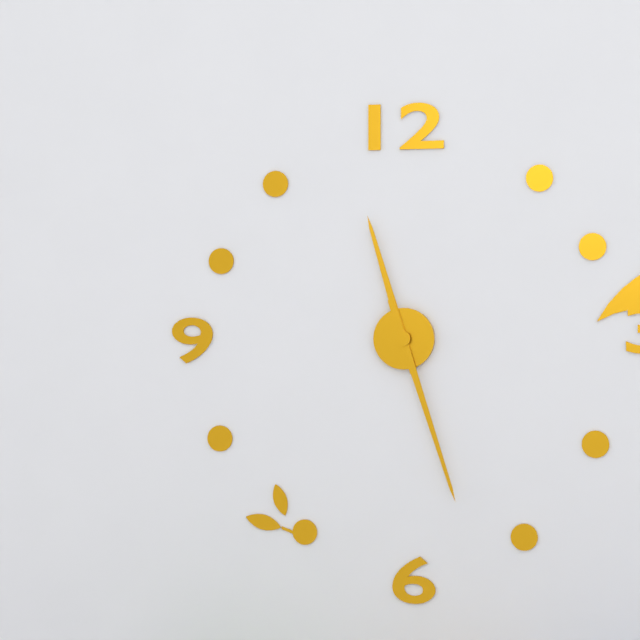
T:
11.27
